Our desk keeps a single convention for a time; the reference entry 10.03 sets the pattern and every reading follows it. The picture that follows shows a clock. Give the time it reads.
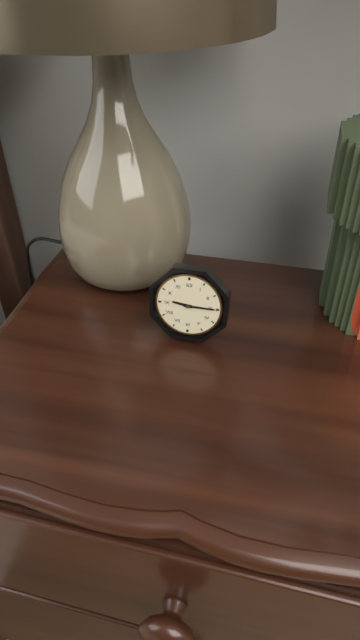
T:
9.15
